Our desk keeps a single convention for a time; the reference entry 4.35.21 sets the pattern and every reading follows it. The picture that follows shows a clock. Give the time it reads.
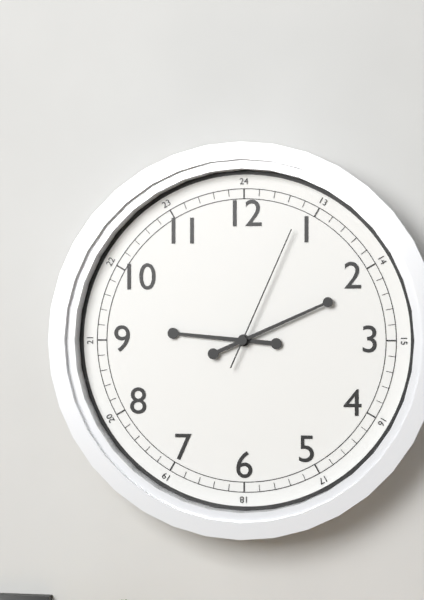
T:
9.11.04
